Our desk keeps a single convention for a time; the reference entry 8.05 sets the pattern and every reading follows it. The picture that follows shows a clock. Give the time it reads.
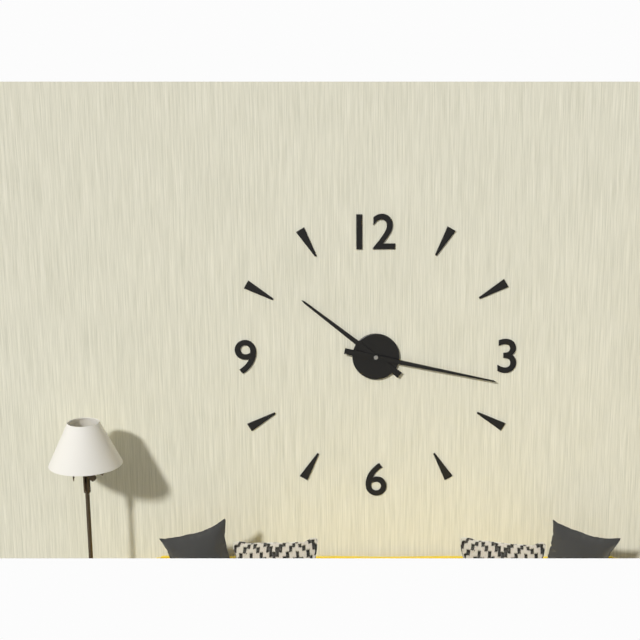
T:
10.17
